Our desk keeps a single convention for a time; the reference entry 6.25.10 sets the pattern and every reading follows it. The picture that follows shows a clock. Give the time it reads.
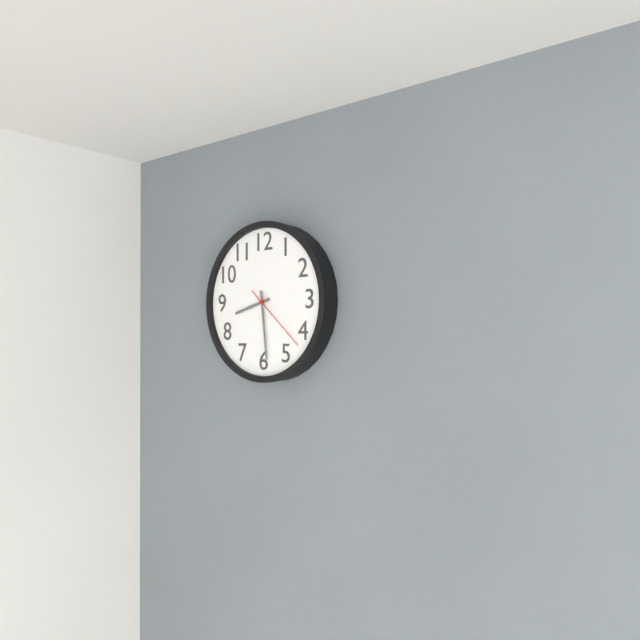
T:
8.29.22
